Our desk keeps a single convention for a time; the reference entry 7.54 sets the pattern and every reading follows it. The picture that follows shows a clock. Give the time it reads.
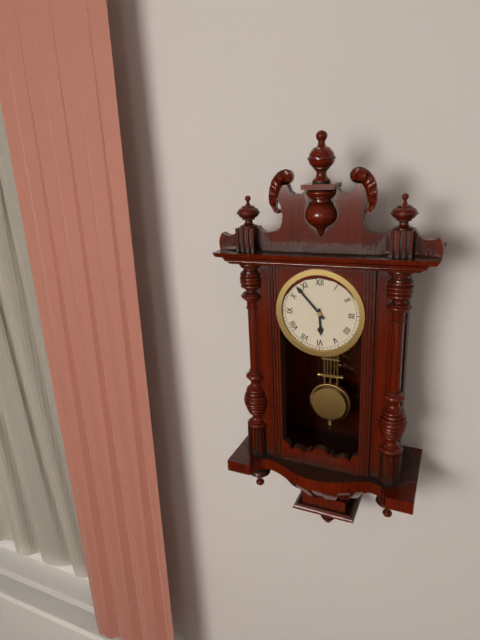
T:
5.53
